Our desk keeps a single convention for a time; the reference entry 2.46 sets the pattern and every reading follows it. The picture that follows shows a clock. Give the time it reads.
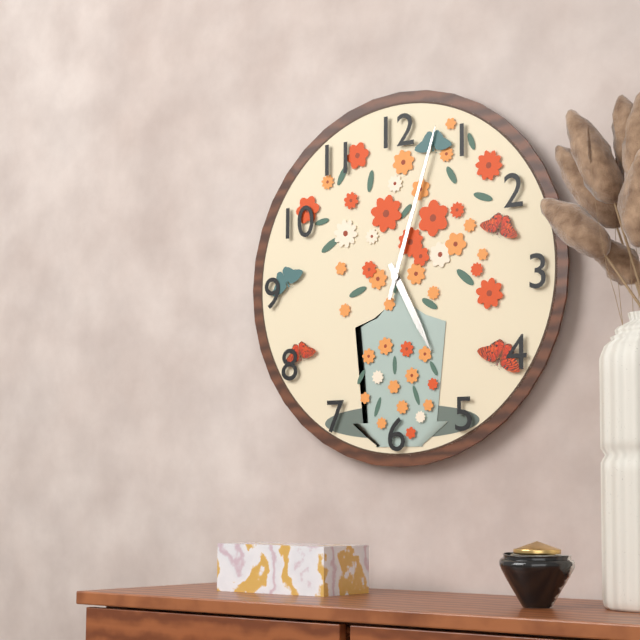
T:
5.03
